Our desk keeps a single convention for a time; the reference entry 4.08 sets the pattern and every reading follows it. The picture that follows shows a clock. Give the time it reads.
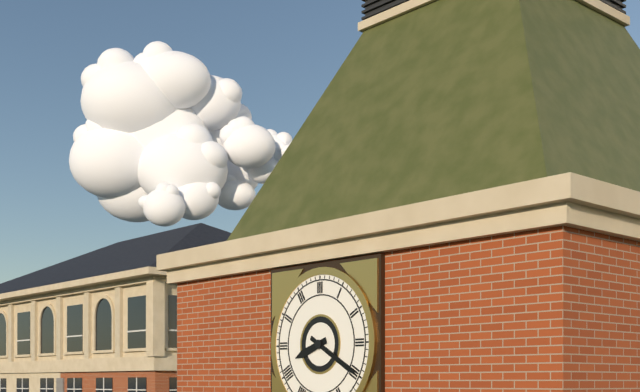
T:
8.20
